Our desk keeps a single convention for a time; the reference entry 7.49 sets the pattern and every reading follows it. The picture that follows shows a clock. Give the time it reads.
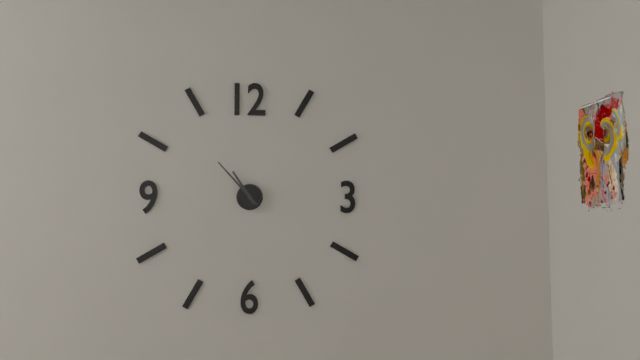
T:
10.53
